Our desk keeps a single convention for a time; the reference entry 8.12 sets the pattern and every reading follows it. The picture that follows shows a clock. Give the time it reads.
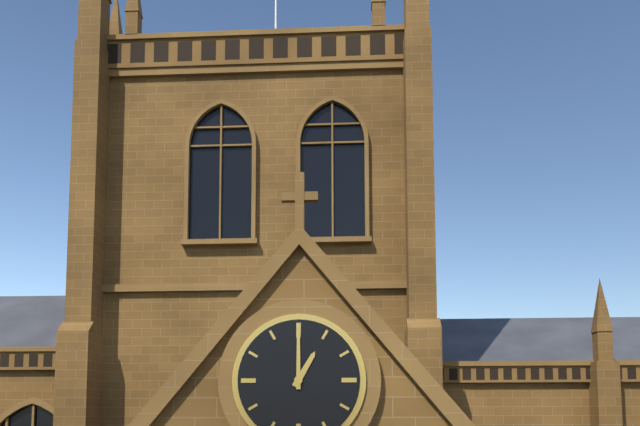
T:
1.00
